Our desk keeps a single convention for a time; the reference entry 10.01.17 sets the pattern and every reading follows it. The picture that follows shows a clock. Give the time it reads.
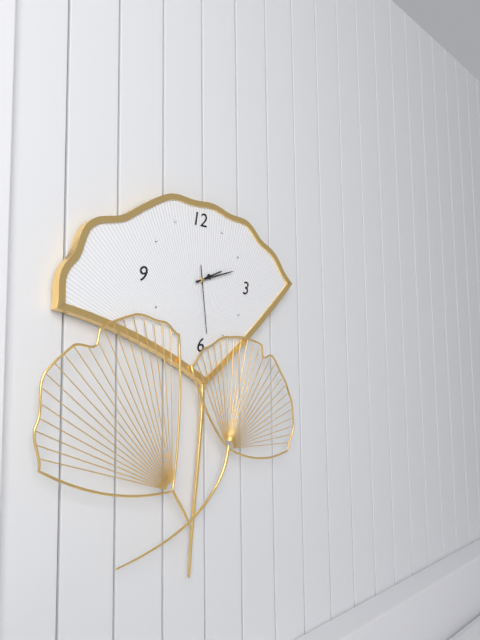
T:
2.12.29
